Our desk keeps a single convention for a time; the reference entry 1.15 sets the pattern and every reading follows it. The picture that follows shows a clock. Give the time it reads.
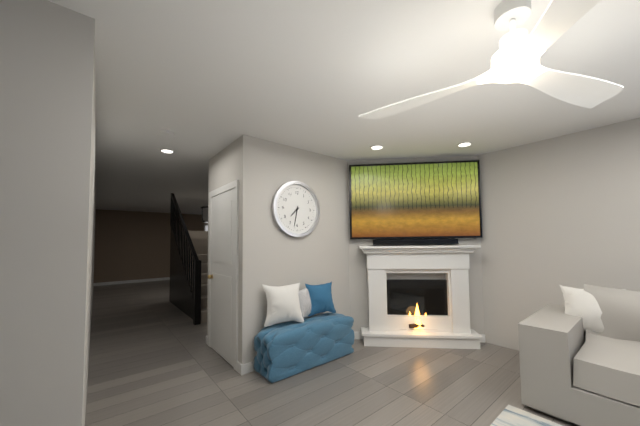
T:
7.32
